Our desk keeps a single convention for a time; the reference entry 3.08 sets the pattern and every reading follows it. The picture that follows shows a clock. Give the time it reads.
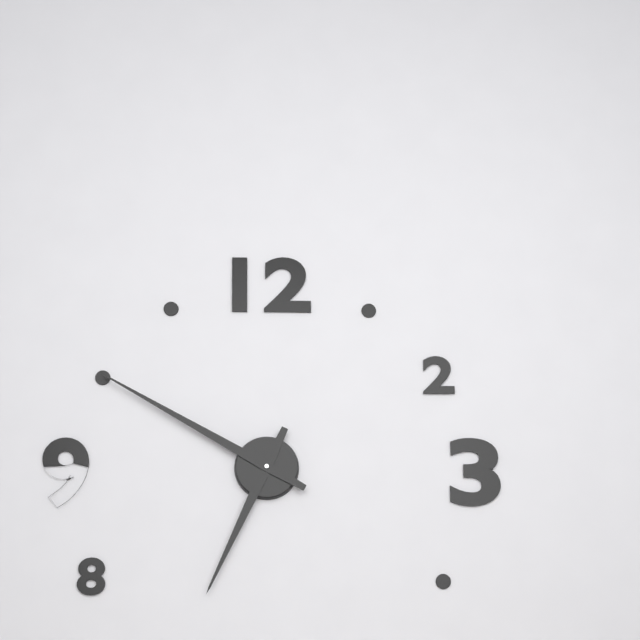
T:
6.50
